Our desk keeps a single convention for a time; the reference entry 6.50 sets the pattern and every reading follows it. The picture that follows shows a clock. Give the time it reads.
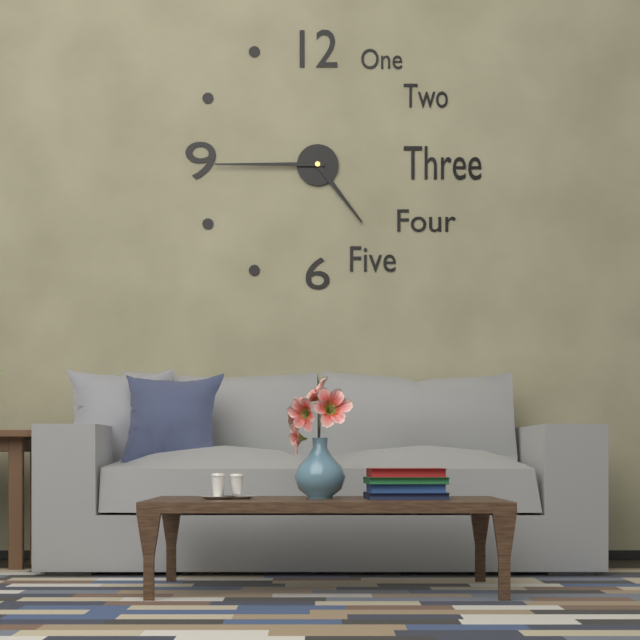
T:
4.45
